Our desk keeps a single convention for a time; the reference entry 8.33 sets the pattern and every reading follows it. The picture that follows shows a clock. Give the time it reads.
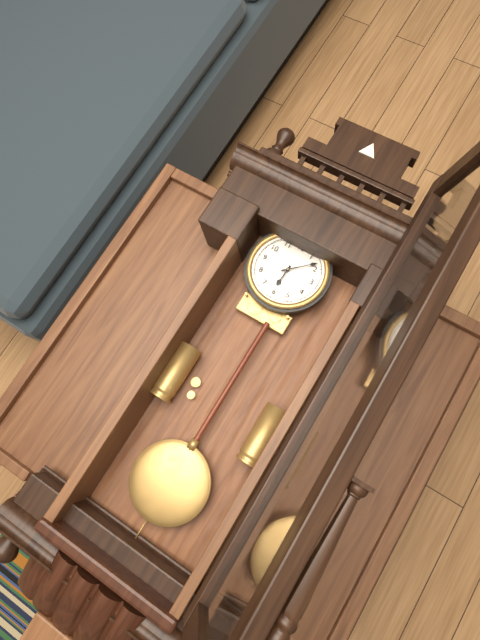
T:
6.08
